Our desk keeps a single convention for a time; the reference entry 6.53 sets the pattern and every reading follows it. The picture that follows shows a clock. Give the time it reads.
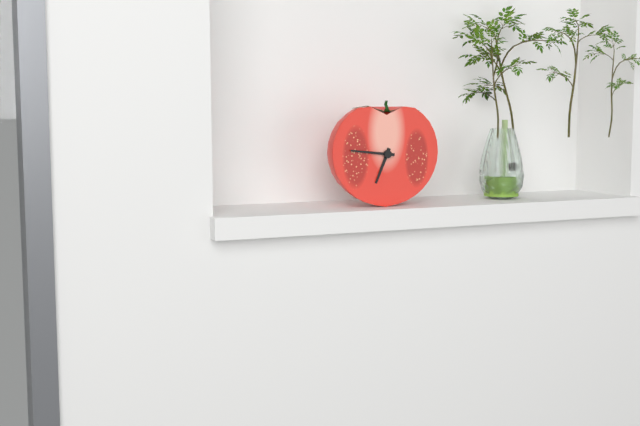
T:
6.46
